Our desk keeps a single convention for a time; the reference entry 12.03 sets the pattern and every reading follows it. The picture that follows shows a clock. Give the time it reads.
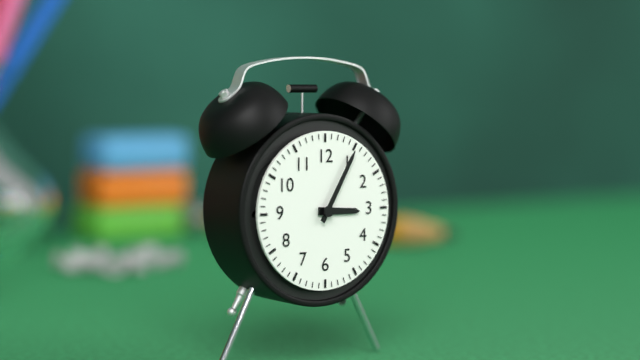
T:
3.05
